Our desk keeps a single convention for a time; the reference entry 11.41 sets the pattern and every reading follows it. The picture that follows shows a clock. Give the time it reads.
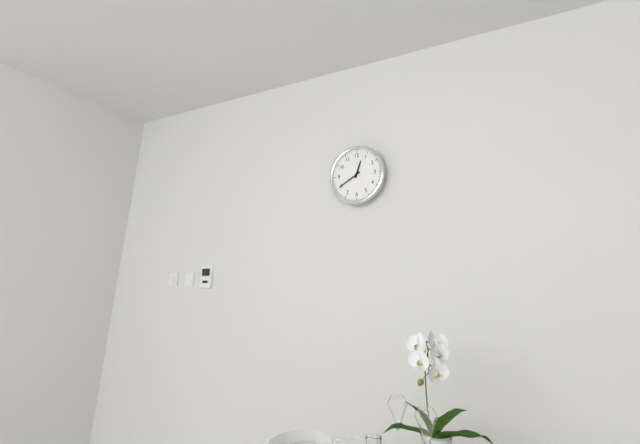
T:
12.40
